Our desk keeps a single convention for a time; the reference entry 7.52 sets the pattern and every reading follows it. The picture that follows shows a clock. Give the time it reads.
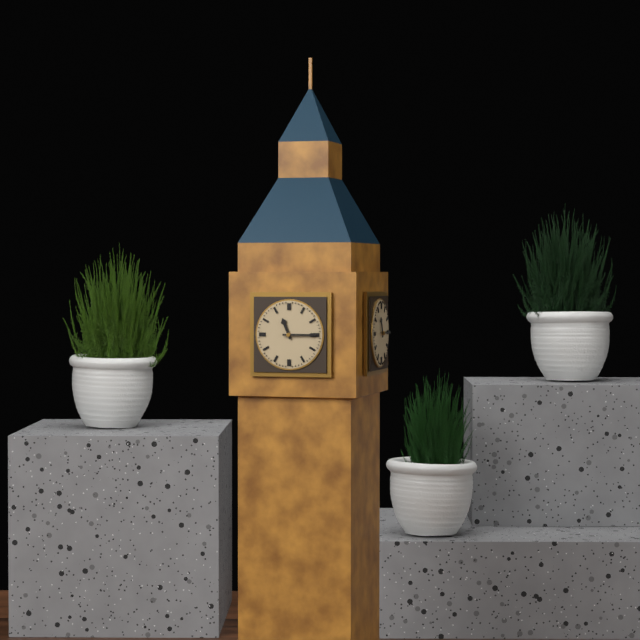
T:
11.15
